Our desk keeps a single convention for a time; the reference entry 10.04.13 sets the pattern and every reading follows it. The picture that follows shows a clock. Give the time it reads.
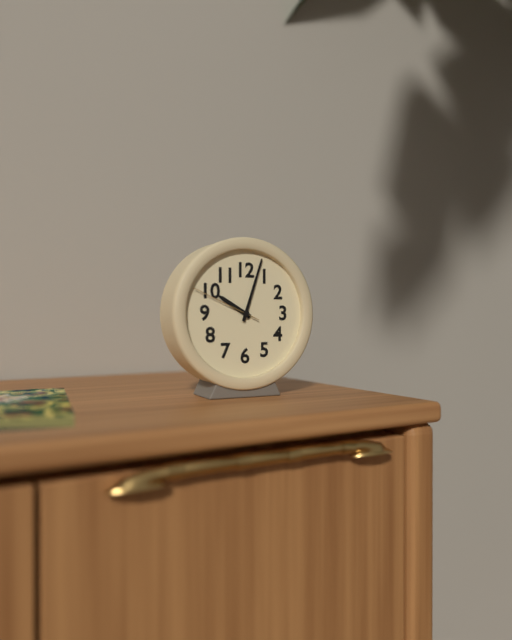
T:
10.03.49
